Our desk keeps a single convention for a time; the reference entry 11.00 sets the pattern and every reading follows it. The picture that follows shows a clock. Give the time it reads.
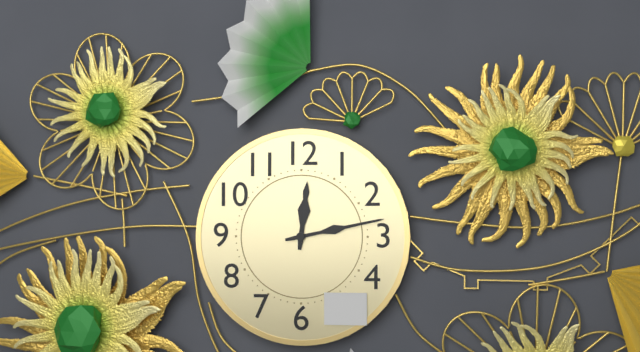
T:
12.13
